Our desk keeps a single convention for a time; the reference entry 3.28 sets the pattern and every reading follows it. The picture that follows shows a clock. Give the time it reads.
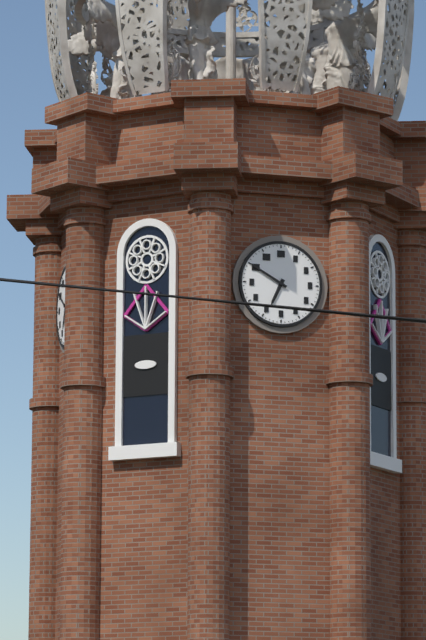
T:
6.50
